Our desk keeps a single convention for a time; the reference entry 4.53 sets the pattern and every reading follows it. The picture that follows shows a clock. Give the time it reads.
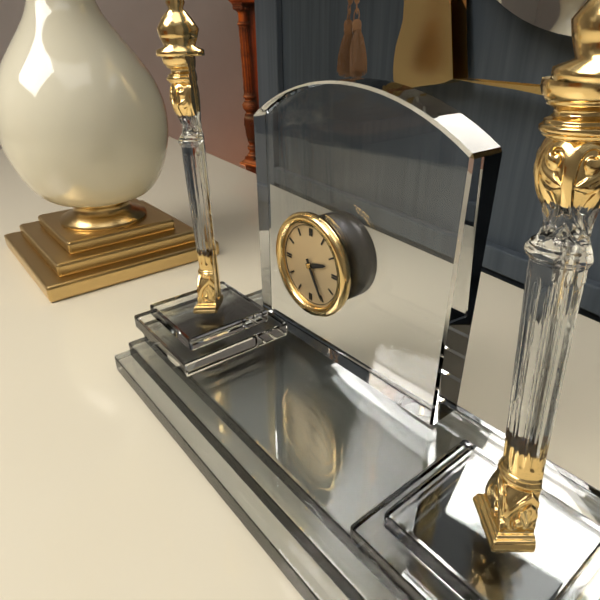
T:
2.25
